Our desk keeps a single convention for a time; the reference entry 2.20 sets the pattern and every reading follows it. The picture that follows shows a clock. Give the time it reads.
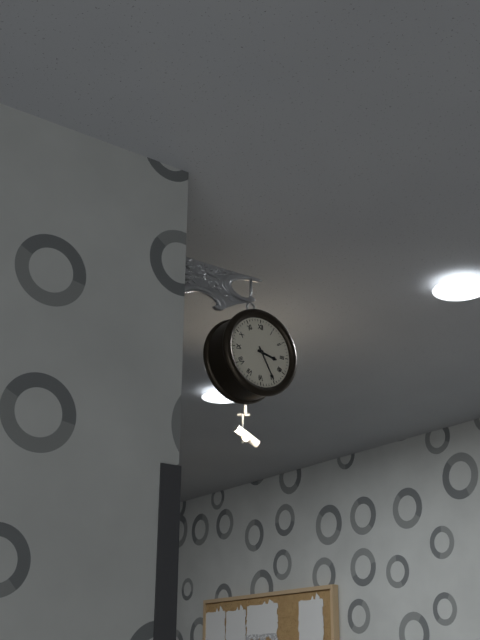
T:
3.25
